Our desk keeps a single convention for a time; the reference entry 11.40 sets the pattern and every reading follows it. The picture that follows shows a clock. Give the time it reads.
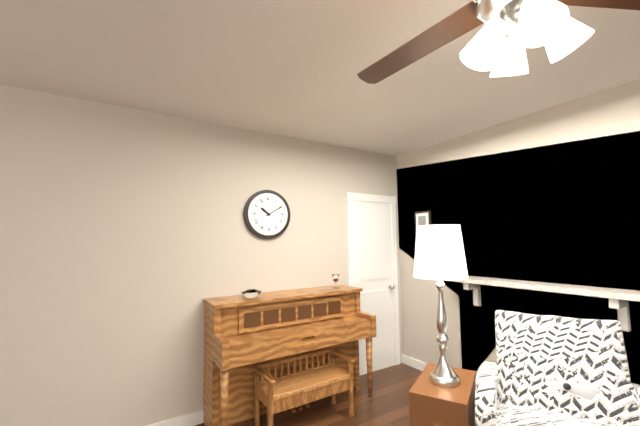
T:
10.10
